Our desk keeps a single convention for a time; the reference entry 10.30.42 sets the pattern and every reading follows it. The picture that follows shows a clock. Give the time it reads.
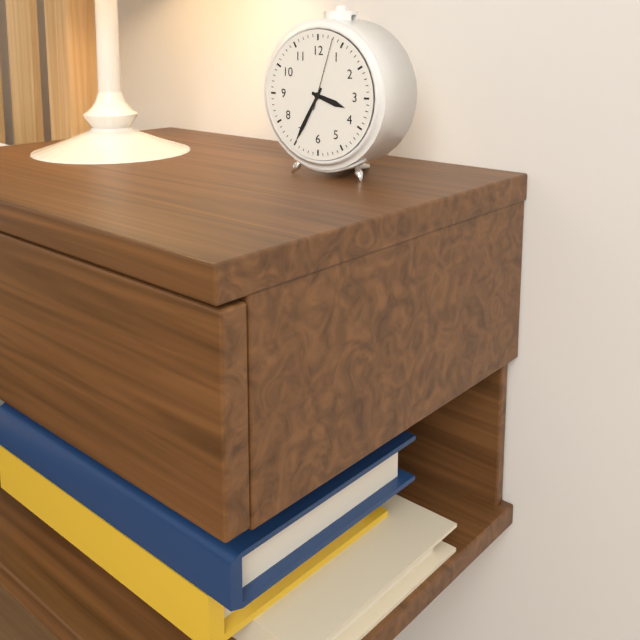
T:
3.35.03
